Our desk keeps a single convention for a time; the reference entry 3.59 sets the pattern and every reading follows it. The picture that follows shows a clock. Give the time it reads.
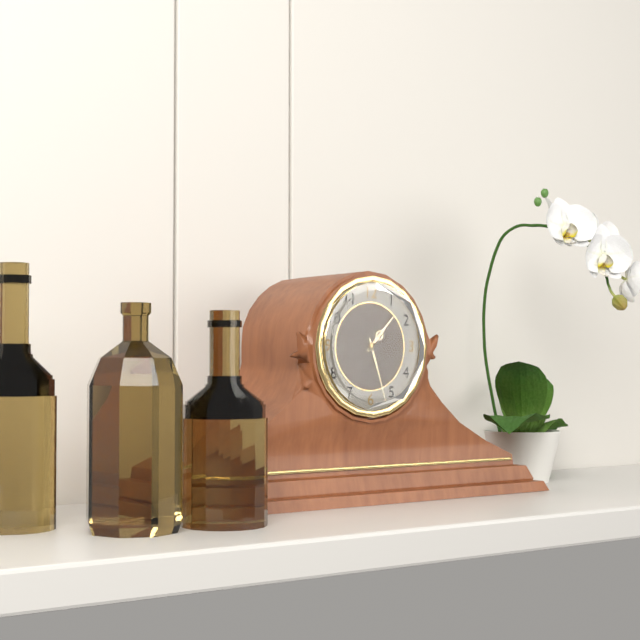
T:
1.27
